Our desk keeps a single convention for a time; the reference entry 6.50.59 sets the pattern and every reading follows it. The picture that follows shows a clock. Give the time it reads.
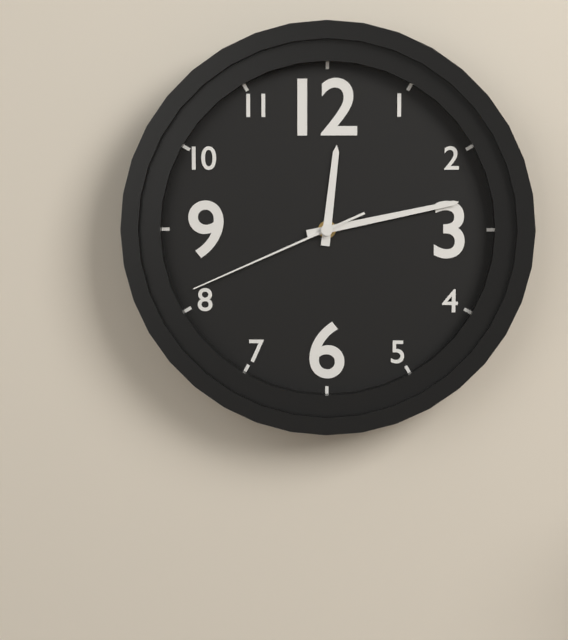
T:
12.13.41
